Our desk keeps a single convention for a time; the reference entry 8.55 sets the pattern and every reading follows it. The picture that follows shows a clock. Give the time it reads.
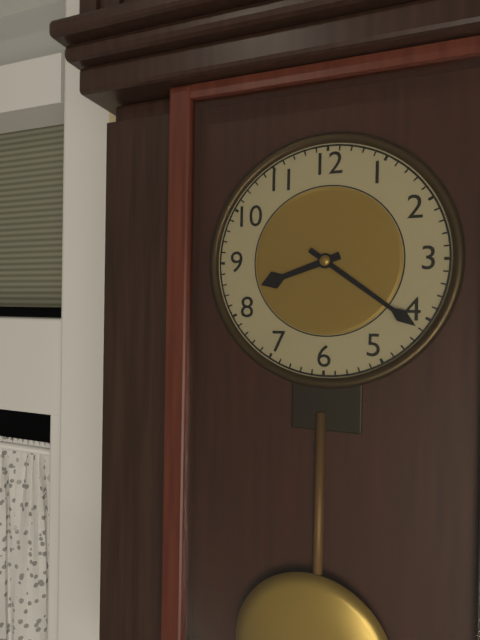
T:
8.21
